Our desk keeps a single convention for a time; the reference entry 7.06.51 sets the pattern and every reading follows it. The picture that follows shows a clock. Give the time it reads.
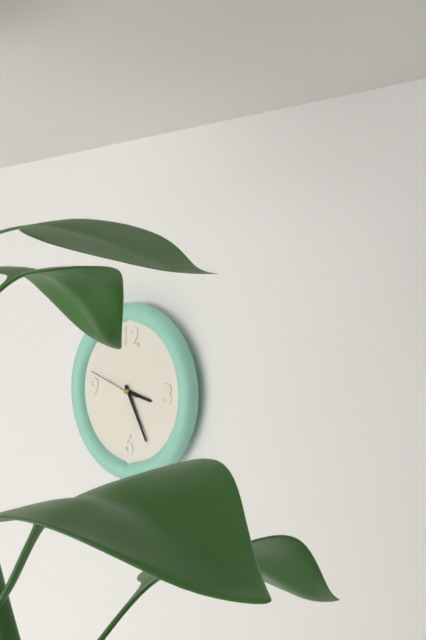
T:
3.25.48
